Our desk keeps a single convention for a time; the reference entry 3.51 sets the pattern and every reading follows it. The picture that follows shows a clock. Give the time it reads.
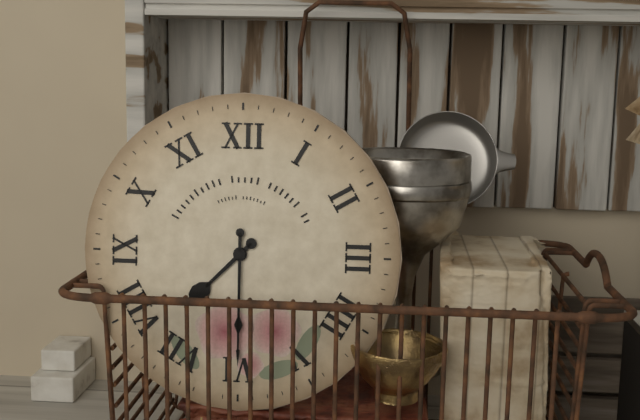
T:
7.30
